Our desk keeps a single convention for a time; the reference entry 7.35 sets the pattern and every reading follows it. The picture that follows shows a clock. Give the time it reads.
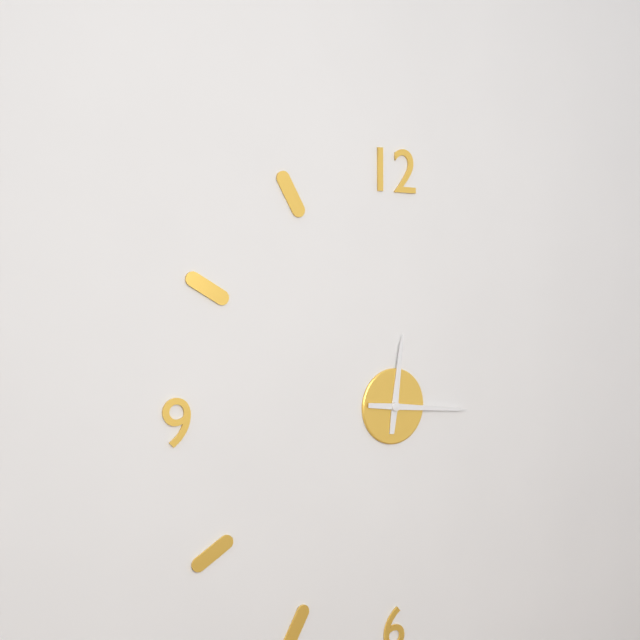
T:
12.16
